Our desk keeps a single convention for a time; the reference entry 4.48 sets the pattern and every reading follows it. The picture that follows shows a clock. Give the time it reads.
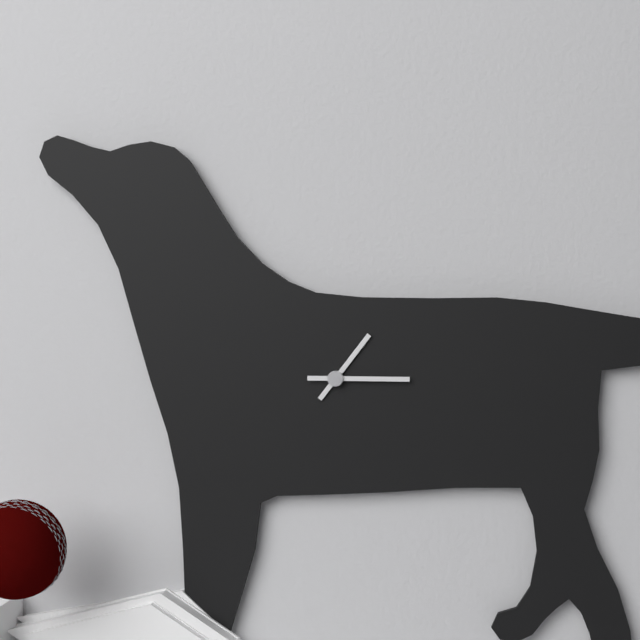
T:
1.15
